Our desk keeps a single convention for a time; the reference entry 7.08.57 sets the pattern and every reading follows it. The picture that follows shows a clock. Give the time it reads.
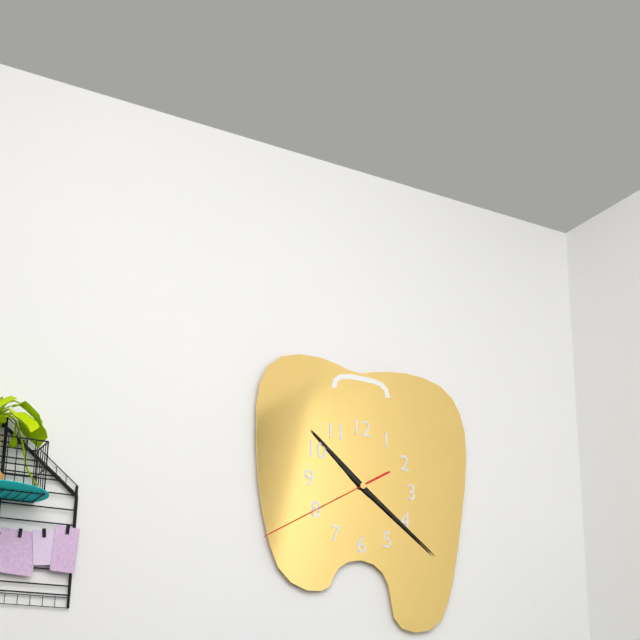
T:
10.21.40
